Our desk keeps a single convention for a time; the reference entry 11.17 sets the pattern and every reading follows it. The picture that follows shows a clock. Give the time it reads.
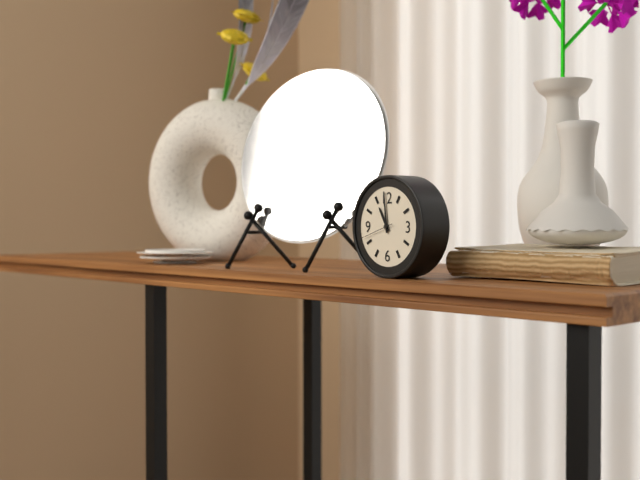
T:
10.59
